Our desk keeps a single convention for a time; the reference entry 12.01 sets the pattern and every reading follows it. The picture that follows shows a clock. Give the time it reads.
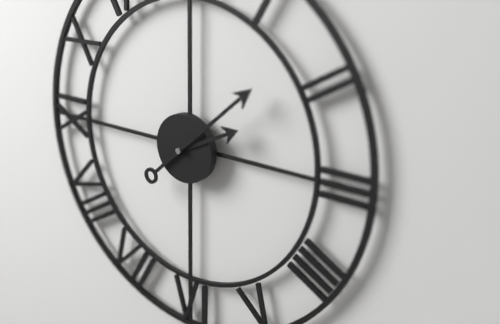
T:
2.08
